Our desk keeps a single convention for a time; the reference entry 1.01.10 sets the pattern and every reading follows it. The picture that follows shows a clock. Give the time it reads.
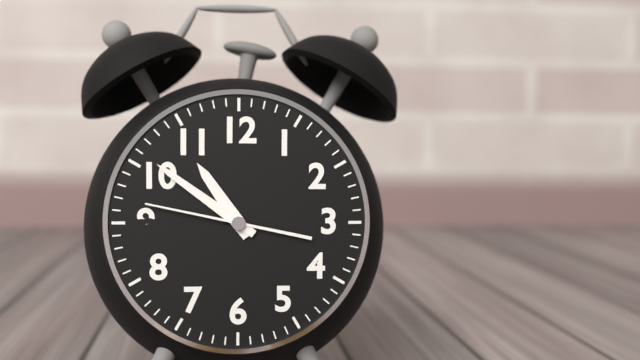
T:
10.51.47
